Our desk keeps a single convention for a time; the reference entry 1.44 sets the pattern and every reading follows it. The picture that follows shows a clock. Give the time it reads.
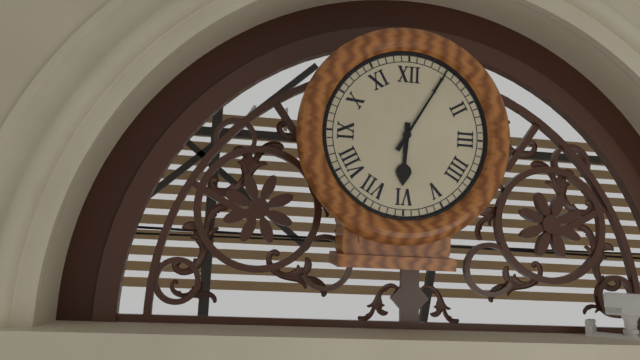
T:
6.05
